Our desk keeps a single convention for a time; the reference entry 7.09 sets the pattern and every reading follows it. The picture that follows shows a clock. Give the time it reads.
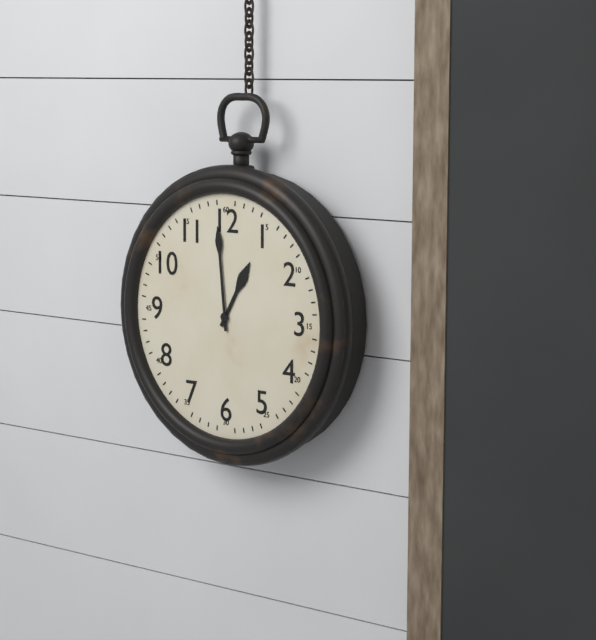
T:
12.59
